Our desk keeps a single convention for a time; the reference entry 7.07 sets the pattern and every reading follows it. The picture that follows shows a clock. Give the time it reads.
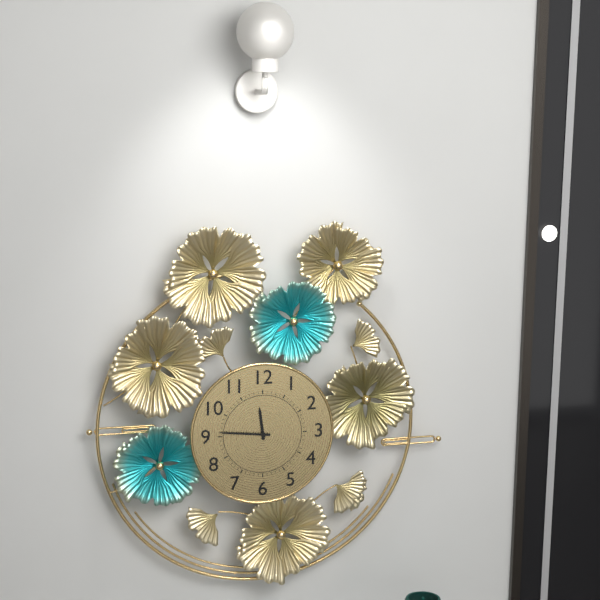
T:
11.46
